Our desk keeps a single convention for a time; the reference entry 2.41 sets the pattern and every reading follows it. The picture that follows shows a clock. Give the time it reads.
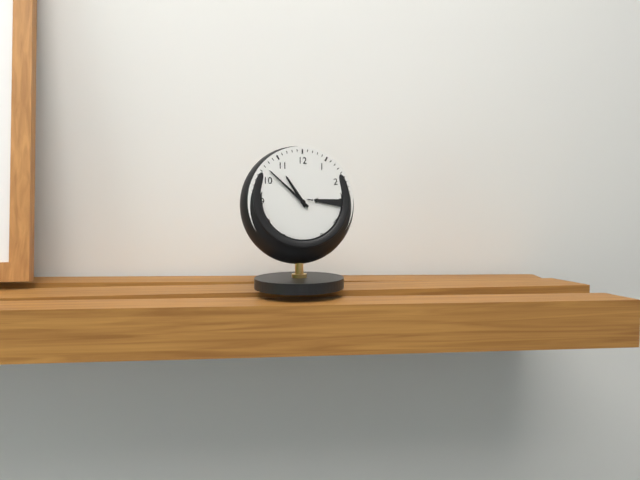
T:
10.52
